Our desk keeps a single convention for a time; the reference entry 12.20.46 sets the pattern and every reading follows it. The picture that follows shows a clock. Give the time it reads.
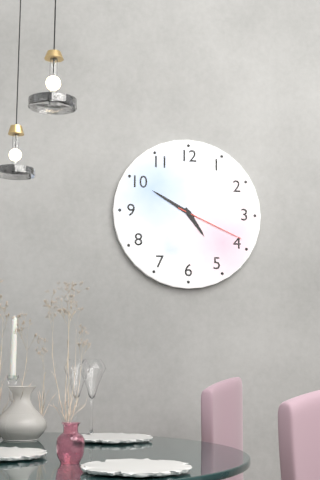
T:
4.50.19
